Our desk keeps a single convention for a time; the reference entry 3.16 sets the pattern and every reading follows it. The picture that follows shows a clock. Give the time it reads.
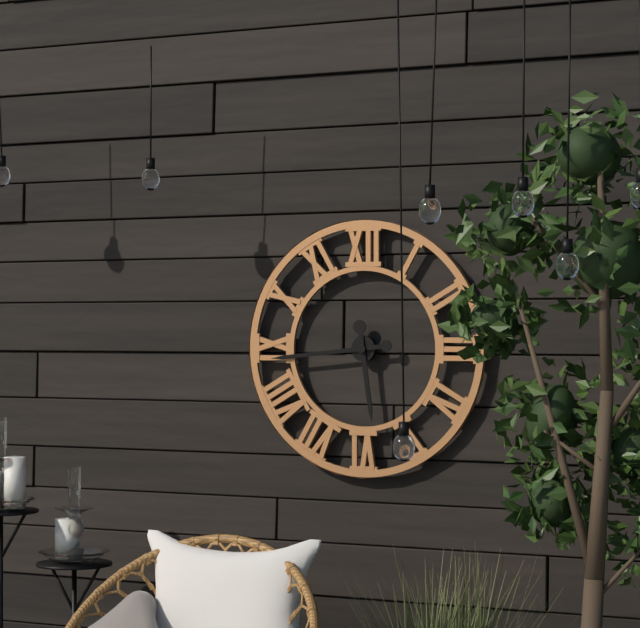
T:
5.44
